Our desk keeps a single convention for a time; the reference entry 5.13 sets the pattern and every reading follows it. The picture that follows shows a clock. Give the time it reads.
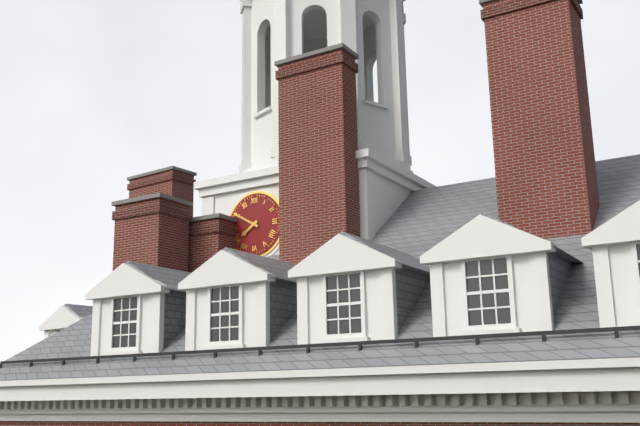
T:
7.50
